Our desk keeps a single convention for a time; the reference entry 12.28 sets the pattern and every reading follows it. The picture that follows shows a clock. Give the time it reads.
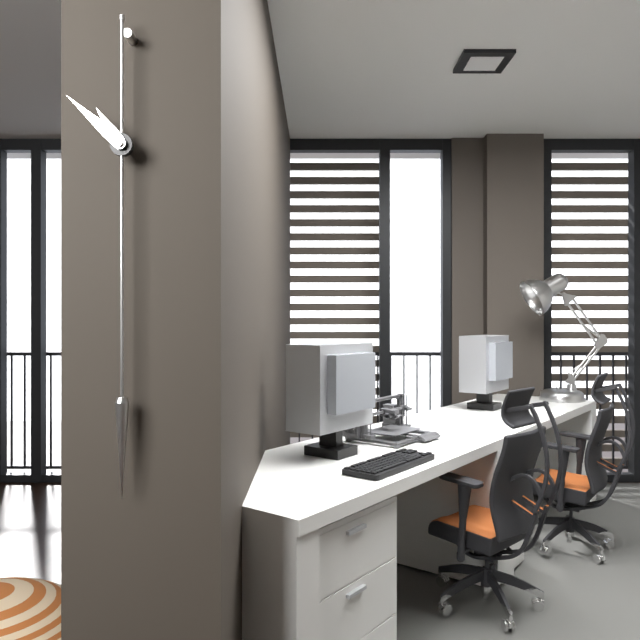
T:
10.52
